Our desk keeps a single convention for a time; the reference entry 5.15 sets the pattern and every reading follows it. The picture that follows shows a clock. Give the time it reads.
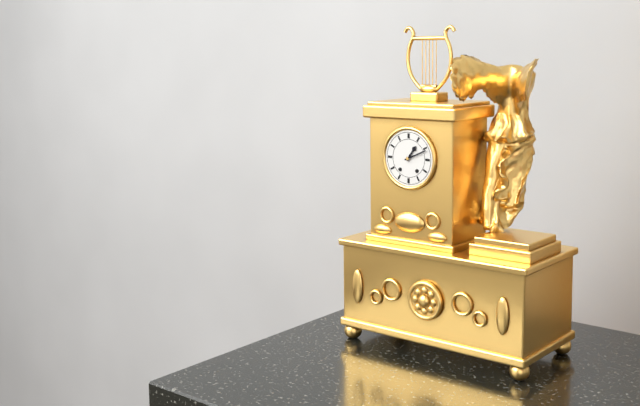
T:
1.11
